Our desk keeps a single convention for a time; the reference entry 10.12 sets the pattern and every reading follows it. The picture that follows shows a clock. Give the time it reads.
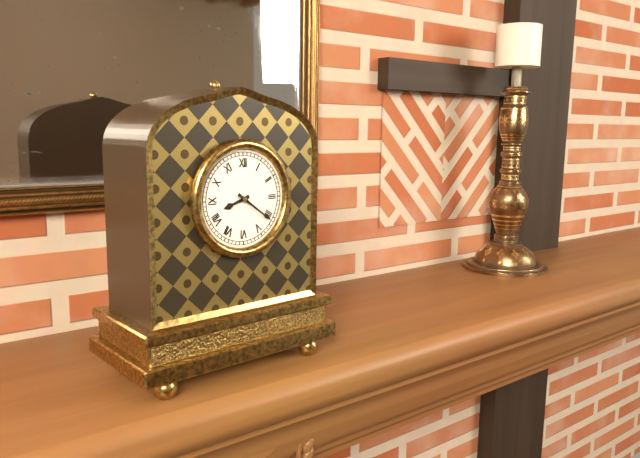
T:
8.21
